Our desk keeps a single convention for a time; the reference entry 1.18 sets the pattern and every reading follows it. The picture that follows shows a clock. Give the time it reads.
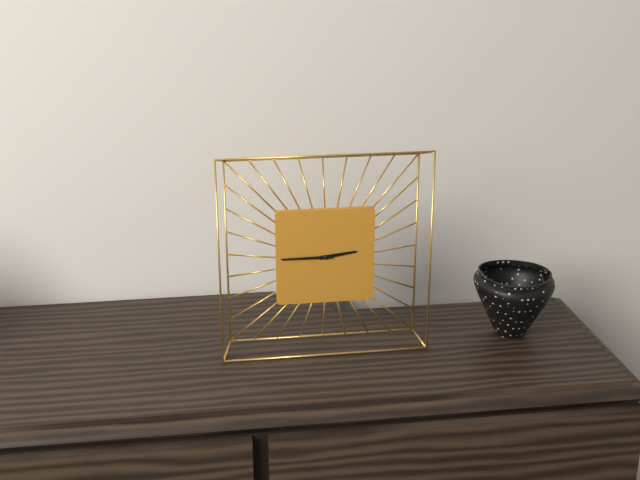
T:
2.45
